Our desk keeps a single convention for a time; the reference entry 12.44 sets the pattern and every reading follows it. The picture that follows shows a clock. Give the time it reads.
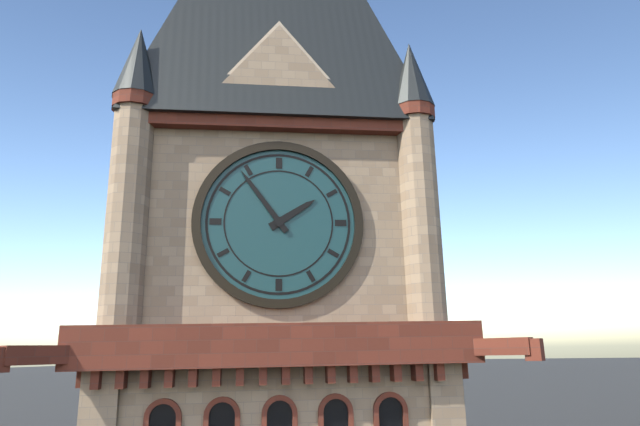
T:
1.54
